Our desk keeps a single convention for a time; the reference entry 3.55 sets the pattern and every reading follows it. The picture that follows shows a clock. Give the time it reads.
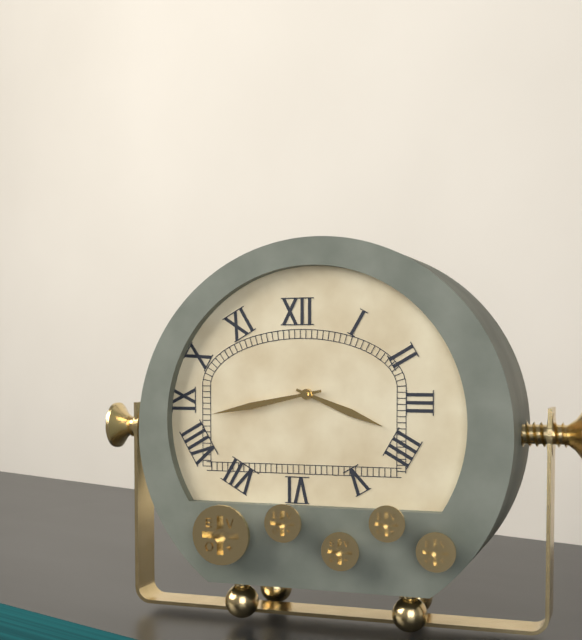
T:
3.43
